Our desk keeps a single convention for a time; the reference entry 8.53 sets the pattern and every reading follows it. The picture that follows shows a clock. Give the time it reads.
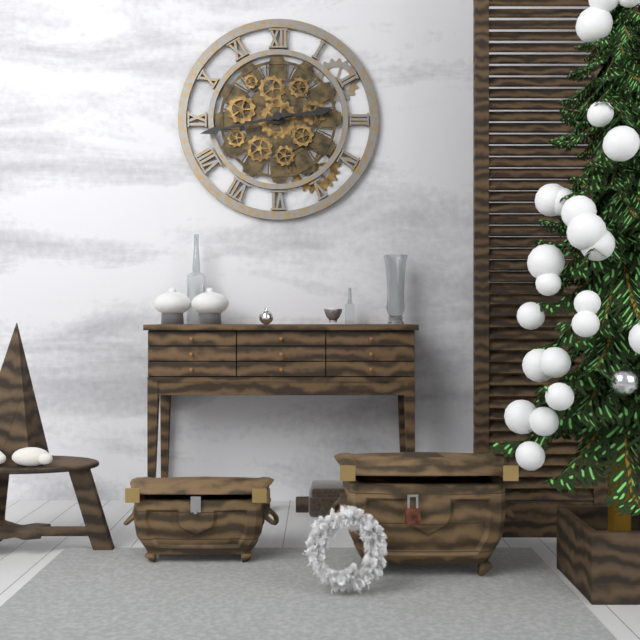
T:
2.43
